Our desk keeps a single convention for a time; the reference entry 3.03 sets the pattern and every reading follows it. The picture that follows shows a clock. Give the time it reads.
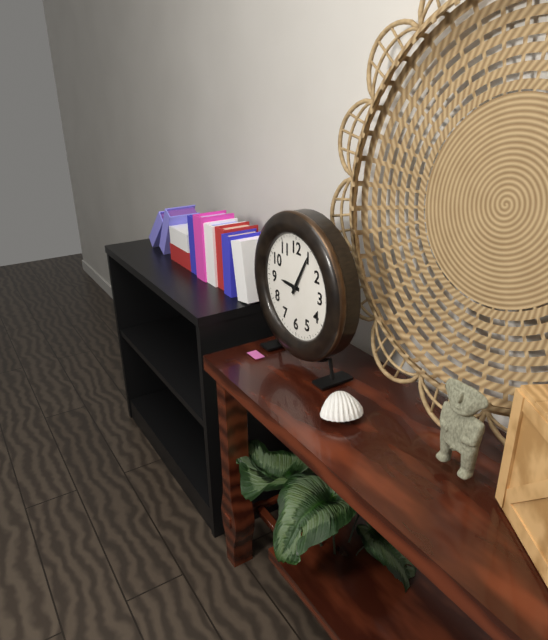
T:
9.05
